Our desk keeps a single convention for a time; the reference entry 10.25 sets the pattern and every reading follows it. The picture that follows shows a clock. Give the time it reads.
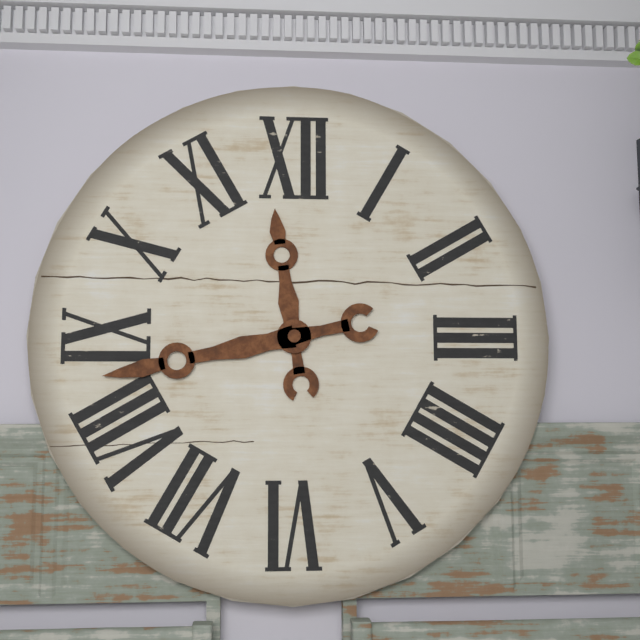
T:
11.43
